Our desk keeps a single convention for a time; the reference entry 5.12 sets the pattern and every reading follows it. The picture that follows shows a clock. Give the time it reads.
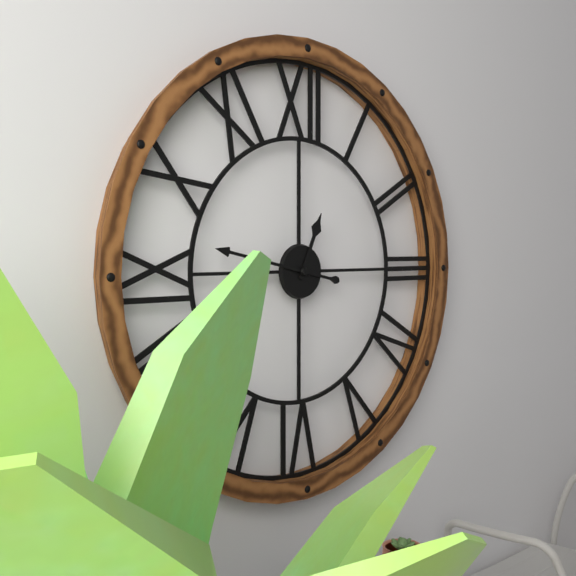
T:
12.47
